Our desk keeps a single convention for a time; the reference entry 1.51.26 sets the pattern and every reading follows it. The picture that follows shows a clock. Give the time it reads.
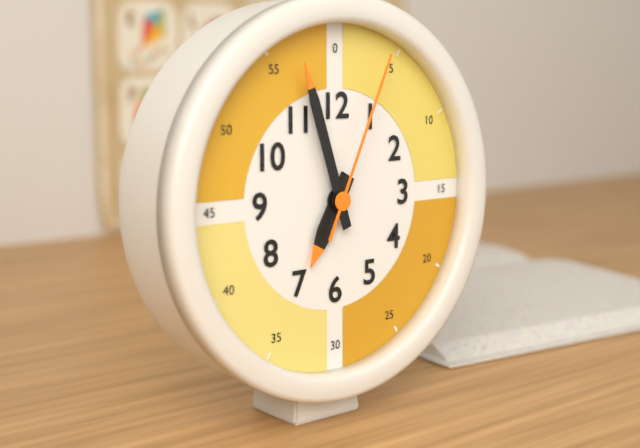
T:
6.57.04
